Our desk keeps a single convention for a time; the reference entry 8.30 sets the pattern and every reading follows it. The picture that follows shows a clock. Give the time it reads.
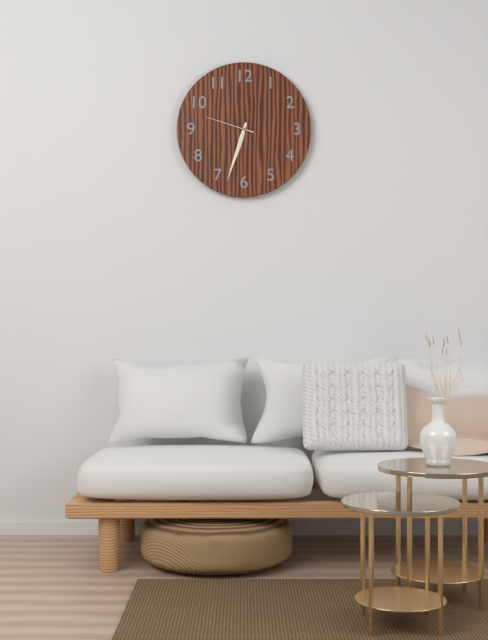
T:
6.33
